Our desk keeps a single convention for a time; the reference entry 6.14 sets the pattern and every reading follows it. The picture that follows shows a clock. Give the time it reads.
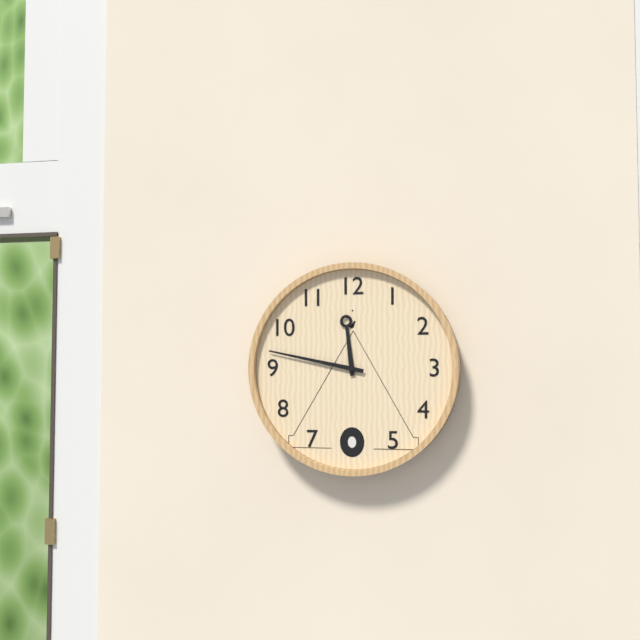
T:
11.47
